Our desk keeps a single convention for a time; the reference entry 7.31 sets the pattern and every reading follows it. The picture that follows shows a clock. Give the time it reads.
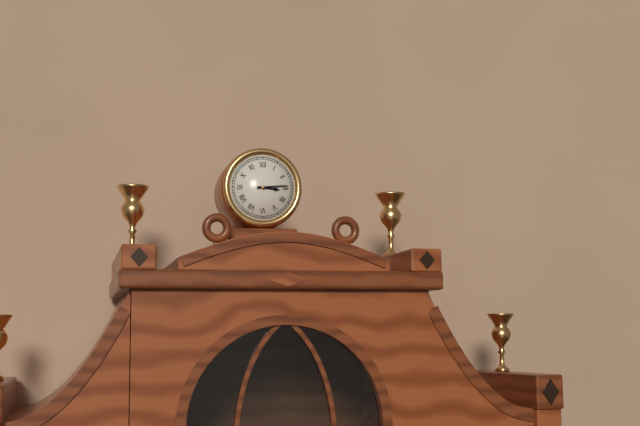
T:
3.14
